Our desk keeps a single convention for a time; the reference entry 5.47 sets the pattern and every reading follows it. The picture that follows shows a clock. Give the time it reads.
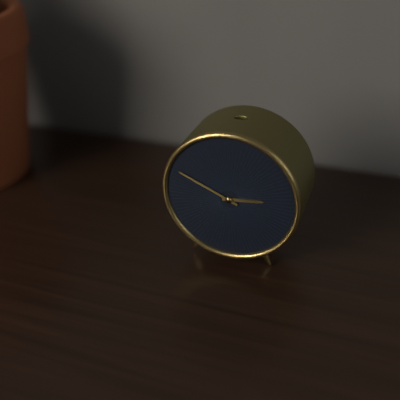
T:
2.49
